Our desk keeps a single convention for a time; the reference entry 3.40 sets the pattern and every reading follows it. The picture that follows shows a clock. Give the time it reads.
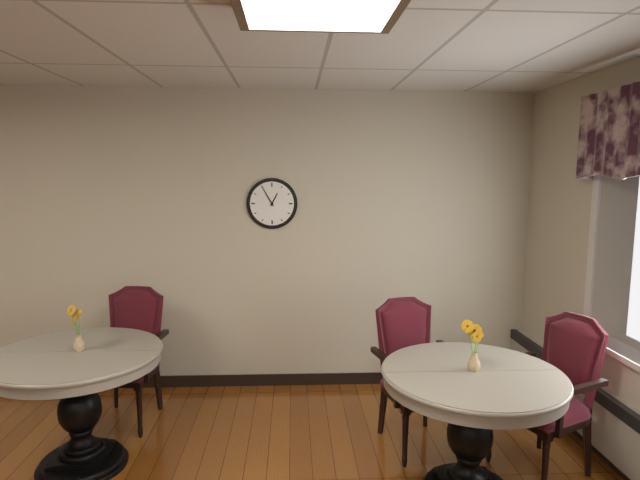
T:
12.55
